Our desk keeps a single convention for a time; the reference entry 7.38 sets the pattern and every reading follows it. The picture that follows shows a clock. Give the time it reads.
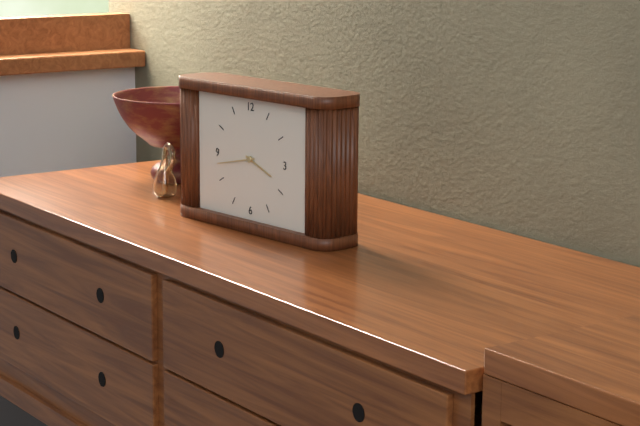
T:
3.43
